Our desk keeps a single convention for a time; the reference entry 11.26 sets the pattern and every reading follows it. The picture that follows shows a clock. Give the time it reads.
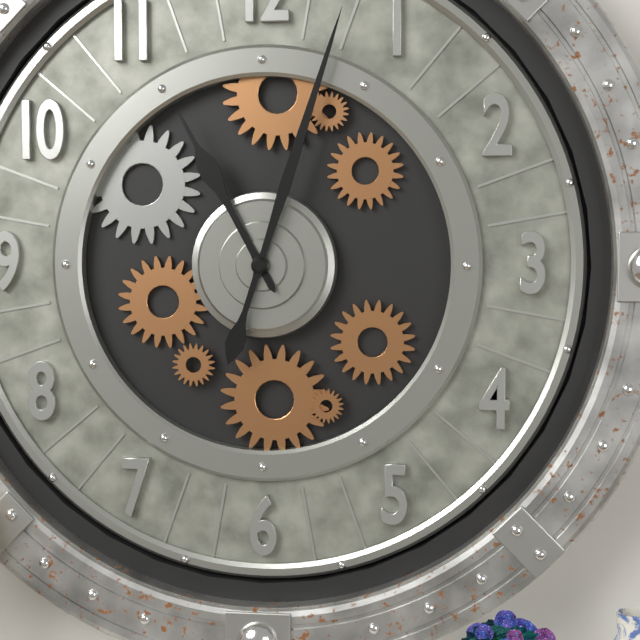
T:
11.03
